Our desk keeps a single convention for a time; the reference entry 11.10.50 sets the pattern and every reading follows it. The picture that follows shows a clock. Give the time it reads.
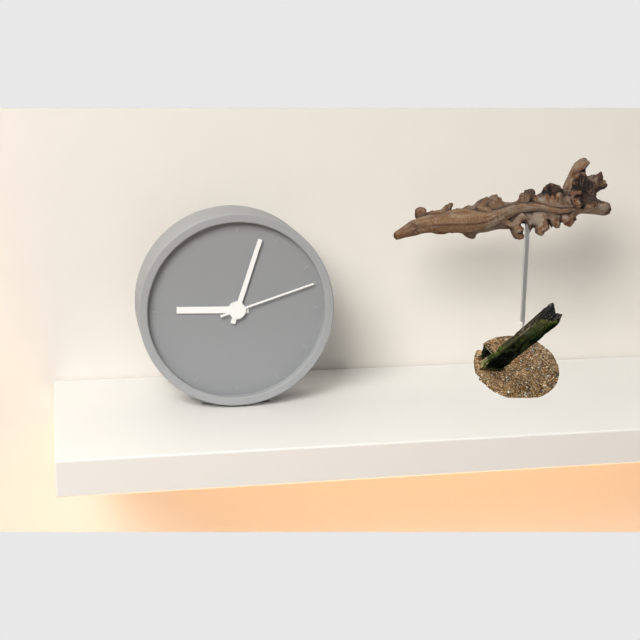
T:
9.03.12
